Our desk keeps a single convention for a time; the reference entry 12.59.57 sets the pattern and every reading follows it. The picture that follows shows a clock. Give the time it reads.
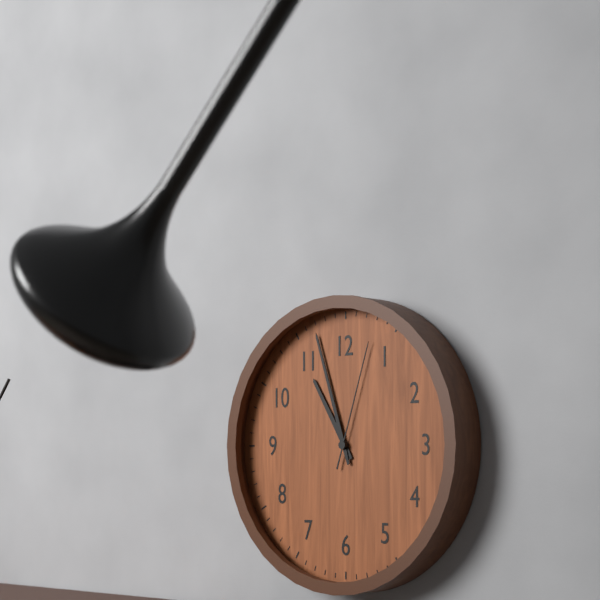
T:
10.57.03
